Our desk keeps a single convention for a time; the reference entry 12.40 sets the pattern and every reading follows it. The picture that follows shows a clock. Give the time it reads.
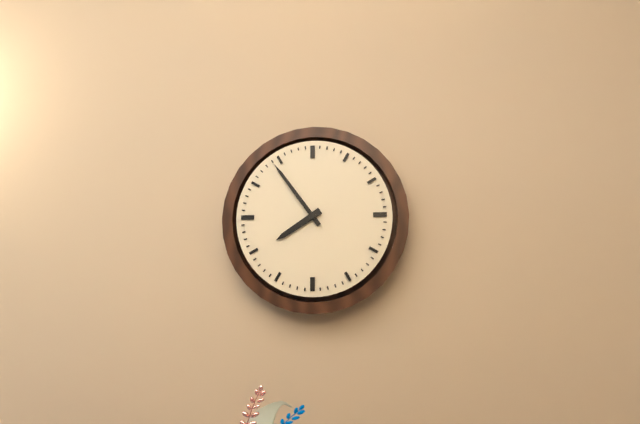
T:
7.54
